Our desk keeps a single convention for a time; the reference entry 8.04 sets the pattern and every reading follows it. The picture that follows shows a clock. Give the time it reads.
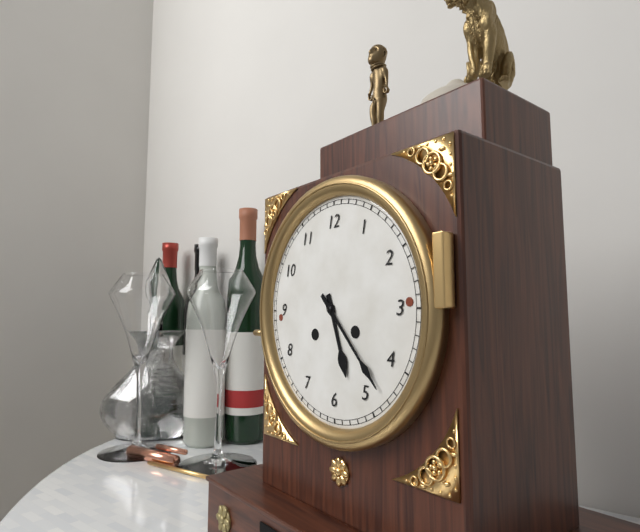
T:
5.23
